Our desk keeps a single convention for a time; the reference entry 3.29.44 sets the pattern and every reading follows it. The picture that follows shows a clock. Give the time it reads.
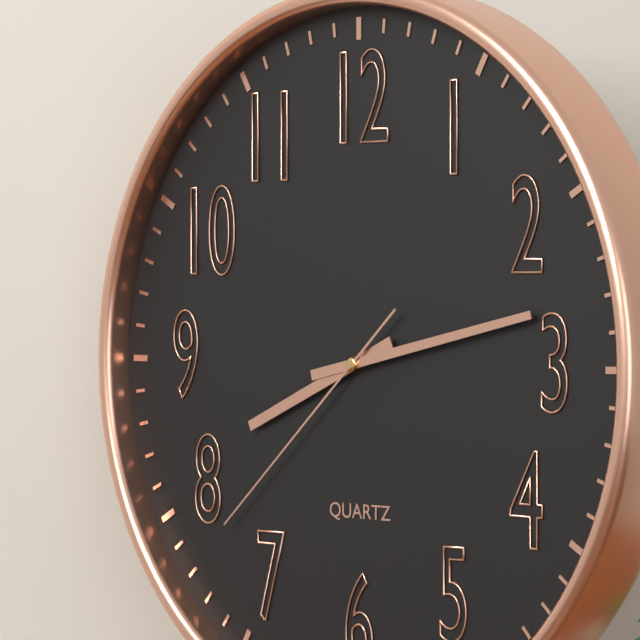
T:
8.13.38
